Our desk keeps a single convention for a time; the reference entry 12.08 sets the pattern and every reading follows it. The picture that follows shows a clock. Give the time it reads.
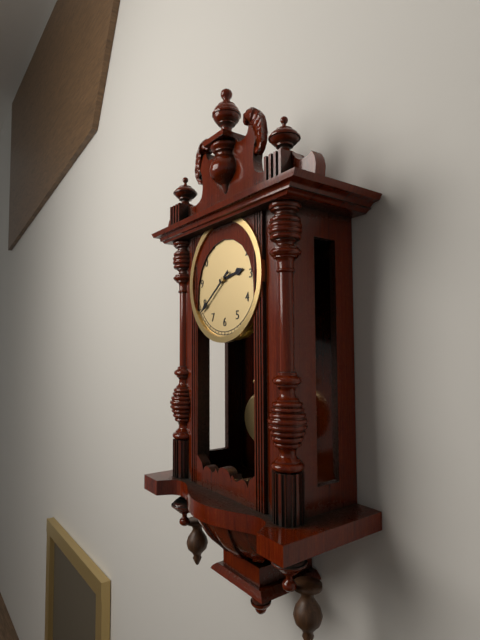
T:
2.39
